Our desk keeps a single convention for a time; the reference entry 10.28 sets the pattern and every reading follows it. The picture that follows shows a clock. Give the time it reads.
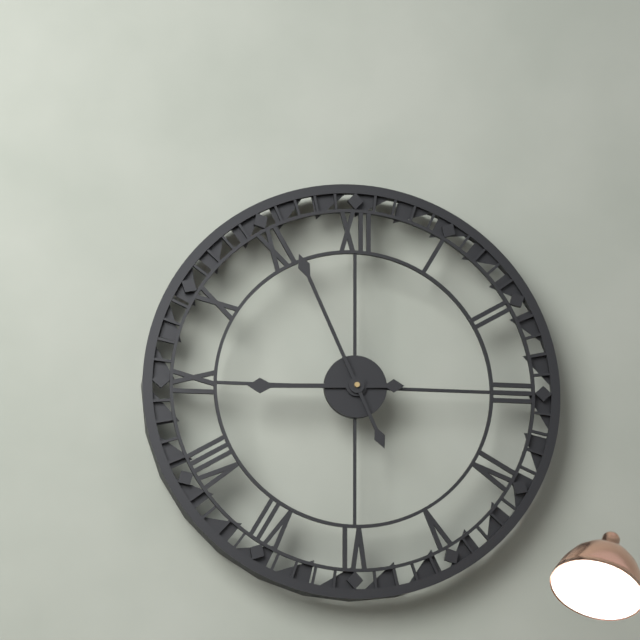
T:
8.56
